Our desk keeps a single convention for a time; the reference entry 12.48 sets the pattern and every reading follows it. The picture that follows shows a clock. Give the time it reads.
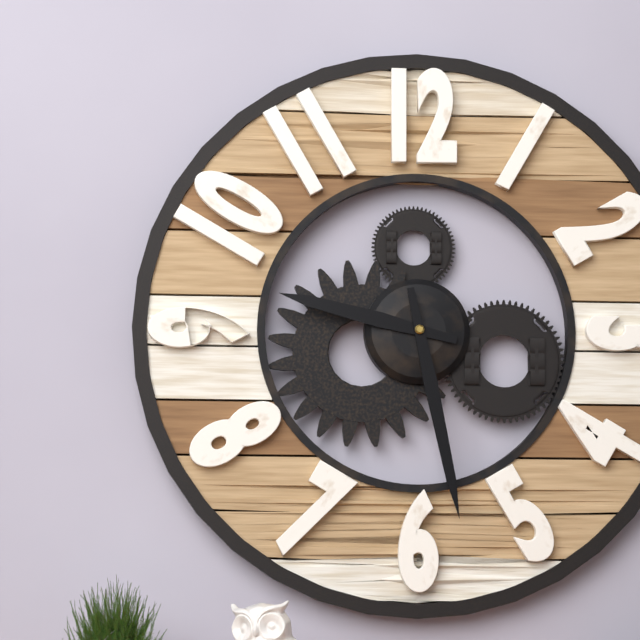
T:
9.28
